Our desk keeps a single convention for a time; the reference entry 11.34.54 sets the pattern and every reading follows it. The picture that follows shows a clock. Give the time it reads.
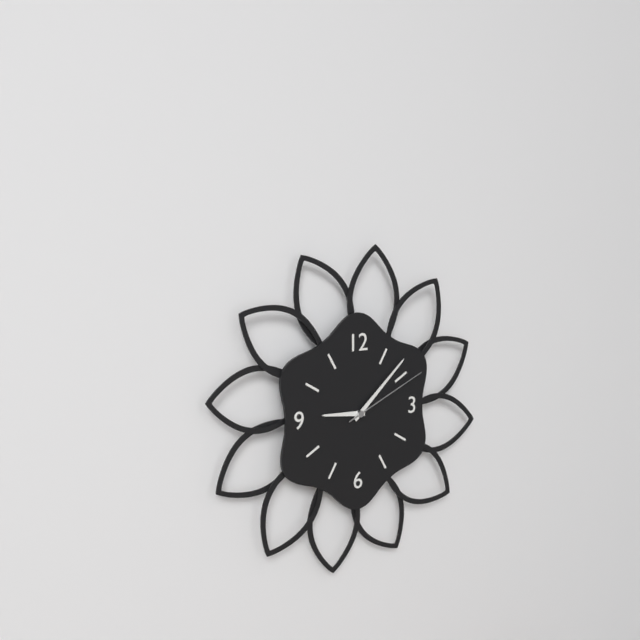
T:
9.08.11
